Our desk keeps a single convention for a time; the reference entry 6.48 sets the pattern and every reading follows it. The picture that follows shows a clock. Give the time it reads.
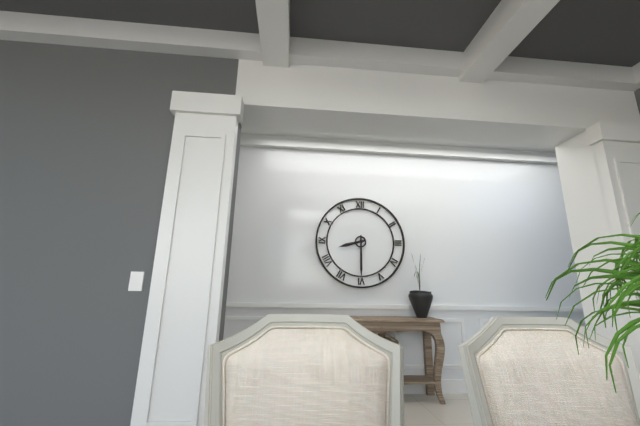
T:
8.30
